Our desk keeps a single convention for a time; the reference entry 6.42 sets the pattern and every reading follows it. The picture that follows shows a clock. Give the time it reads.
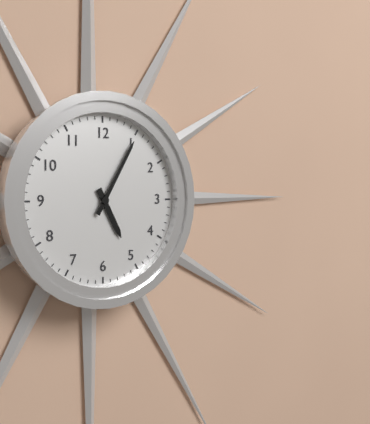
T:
5.05
